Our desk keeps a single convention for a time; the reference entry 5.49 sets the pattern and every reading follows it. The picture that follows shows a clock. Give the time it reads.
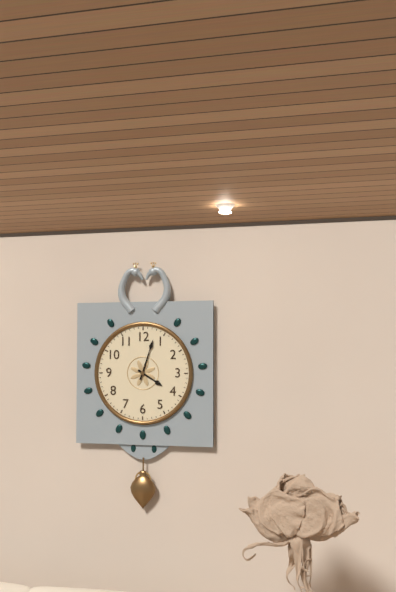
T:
4.03
